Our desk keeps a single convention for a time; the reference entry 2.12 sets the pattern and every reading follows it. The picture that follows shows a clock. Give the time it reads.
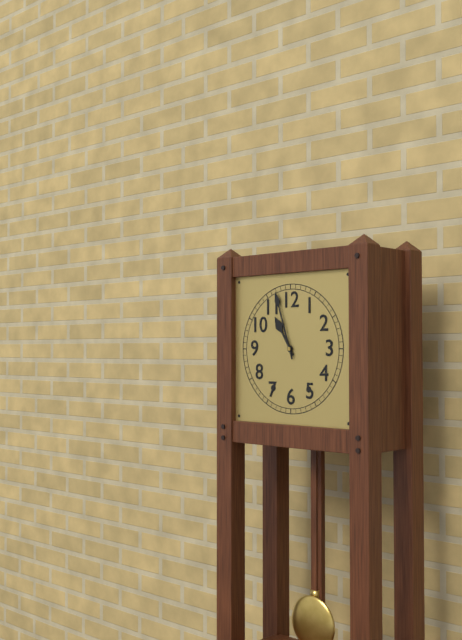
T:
10.57
